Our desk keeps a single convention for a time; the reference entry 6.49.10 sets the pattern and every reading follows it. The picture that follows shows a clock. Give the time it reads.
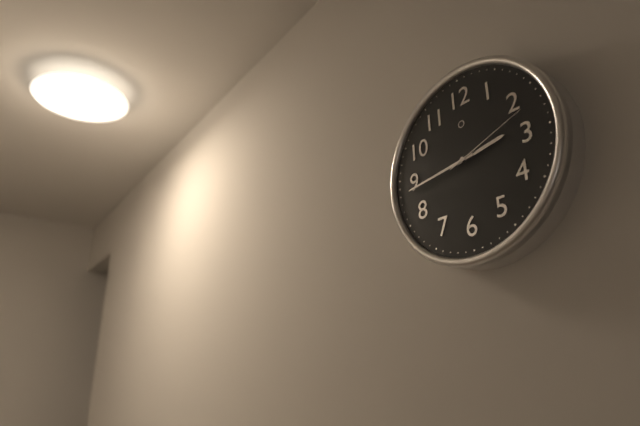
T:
2.44.12
